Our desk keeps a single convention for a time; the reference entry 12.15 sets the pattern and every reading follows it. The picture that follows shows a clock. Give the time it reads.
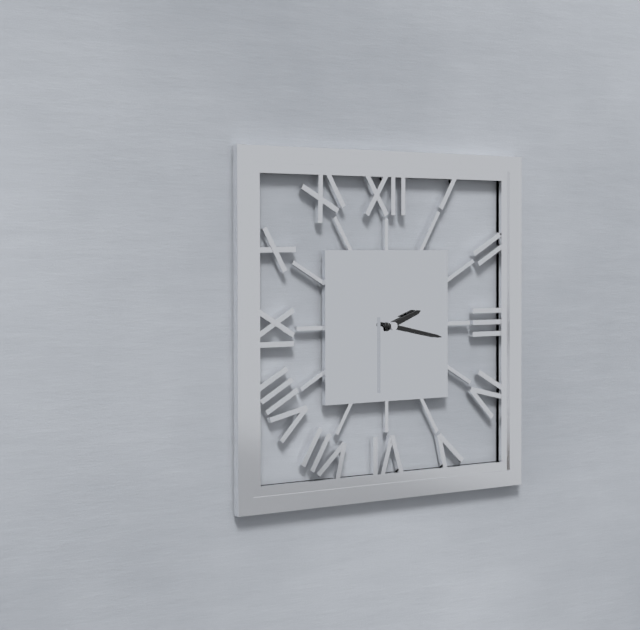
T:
2.17
